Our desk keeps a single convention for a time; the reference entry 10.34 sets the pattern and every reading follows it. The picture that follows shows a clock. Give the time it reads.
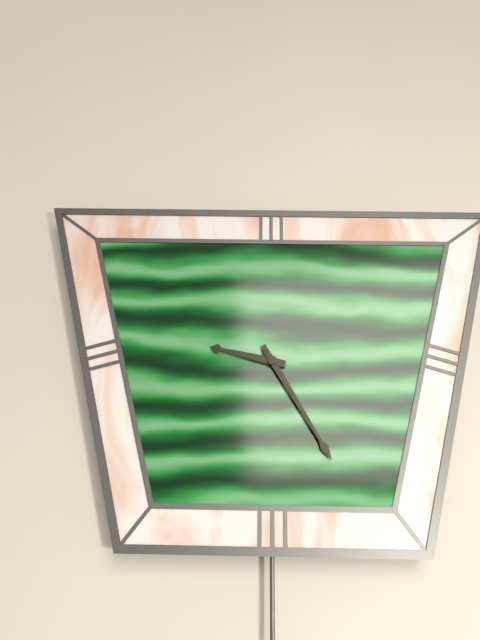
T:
9.25
